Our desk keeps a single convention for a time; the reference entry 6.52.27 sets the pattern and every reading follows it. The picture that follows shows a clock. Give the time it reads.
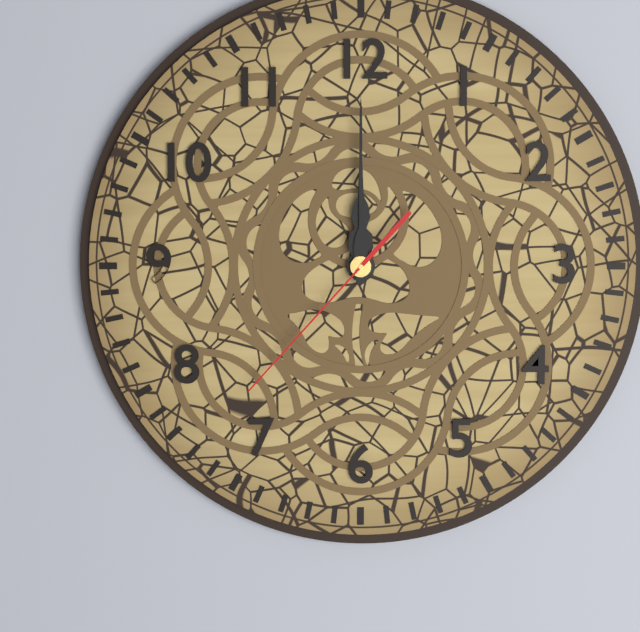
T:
12.00.37
